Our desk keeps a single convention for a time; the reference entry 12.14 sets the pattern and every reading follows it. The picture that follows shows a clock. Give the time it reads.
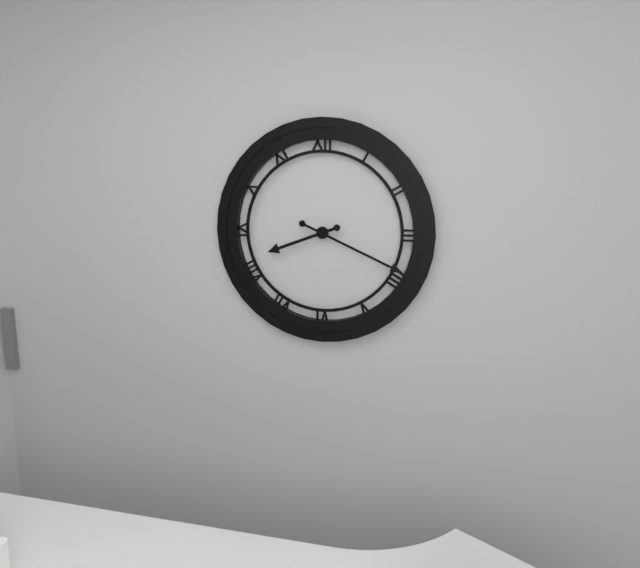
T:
8.19
